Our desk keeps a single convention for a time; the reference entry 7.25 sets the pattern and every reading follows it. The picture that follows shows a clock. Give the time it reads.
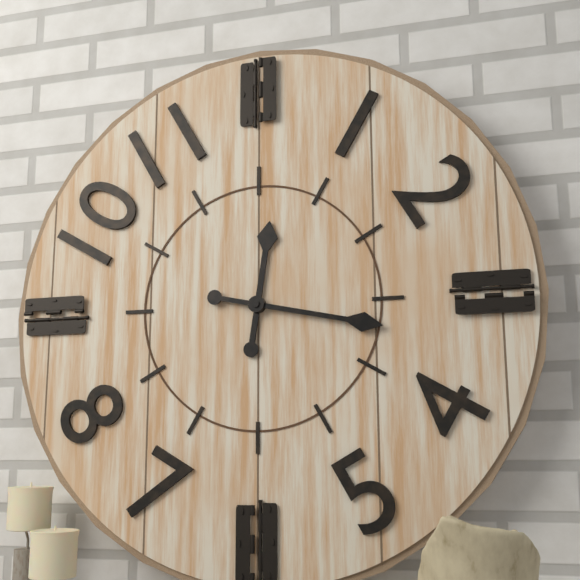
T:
12.17
